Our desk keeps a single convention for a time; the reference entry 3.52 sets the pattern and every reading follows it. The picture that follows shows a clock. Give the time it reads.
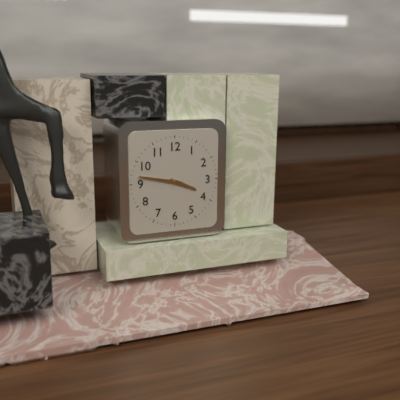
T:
3.47
